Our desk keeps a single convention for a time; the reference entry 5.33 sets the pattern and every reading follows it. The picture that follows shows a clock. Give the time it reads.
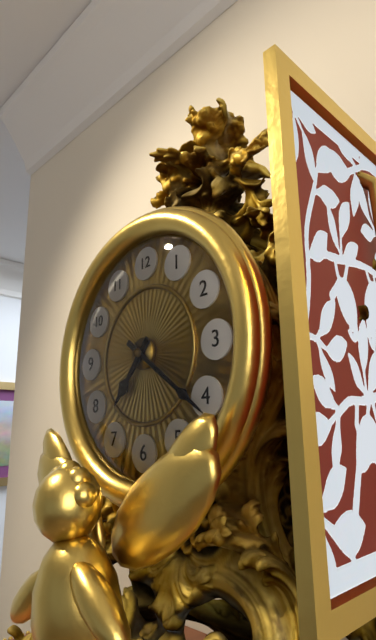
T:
7.21
